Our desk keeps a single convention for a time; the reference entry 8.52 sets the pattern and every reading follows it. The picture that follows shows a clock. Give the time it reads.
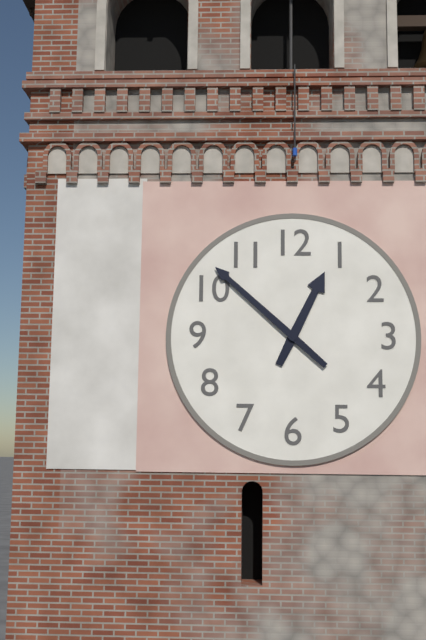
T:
12.52
